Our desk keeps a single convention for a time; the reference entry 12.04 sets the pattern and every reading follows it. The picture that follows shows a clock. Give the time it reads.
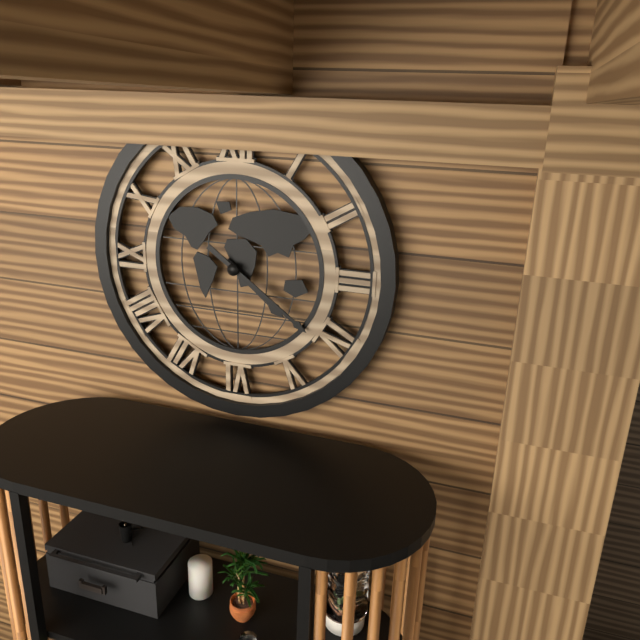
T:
4.21
